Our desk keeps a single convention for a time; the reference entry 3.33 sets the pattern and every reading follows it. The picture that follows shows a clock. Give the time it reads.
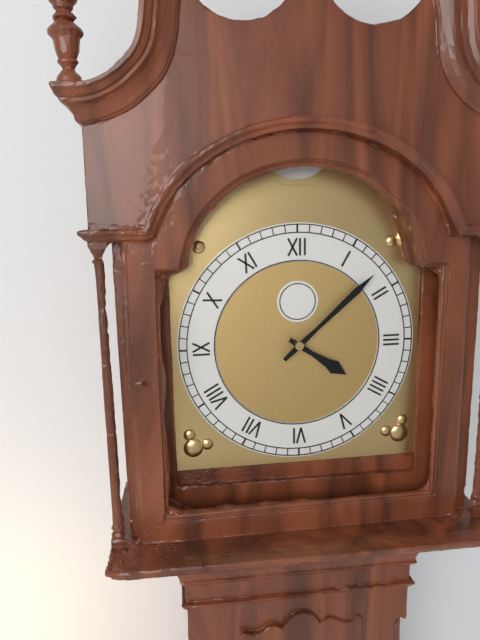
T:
4.08
